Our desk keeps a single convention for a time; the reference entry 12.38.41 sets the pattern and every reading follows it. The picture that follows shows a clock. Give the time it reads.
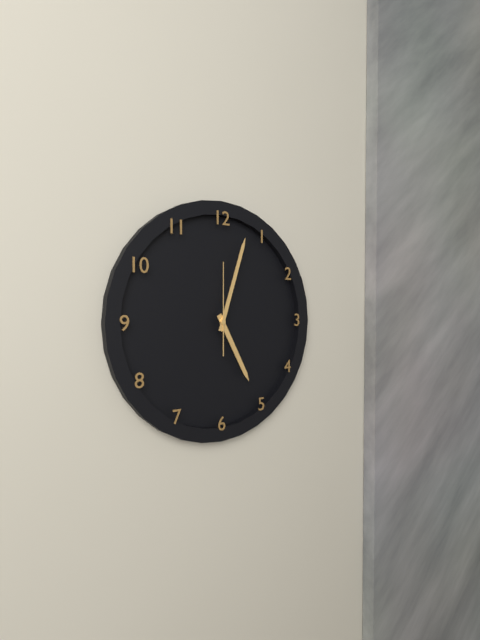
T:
5.03.00
